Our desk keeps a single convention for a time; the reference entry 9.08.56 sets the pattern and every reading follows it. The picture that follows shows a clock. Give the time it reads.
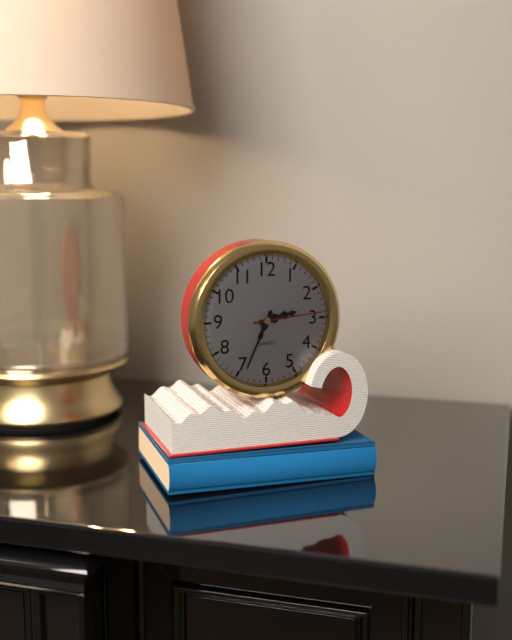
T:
2.34.14
